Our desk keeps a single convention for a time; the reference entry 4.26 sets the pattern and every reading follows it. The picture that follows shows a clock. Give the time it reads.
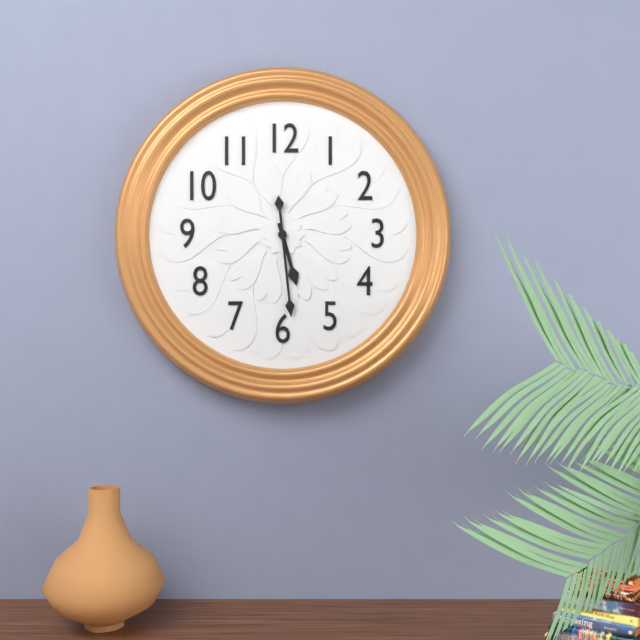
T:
5.29
